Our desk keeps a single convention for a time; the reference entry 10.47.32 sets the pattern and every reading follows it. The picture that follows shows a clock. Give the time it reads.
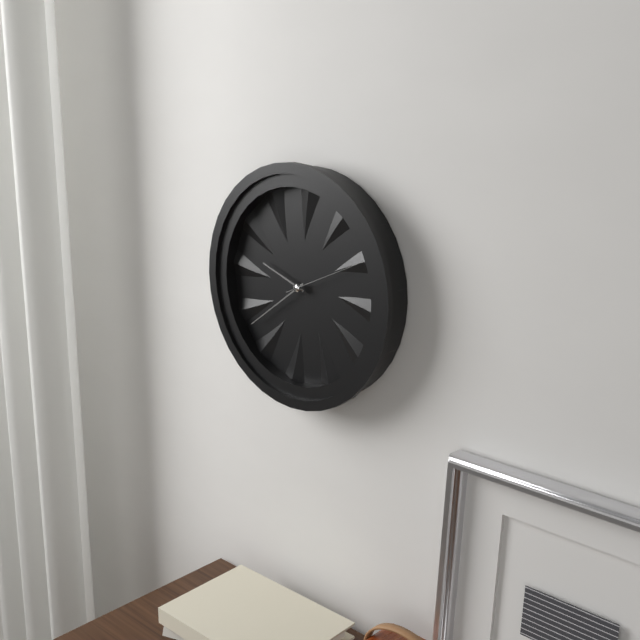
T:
9.39.11
